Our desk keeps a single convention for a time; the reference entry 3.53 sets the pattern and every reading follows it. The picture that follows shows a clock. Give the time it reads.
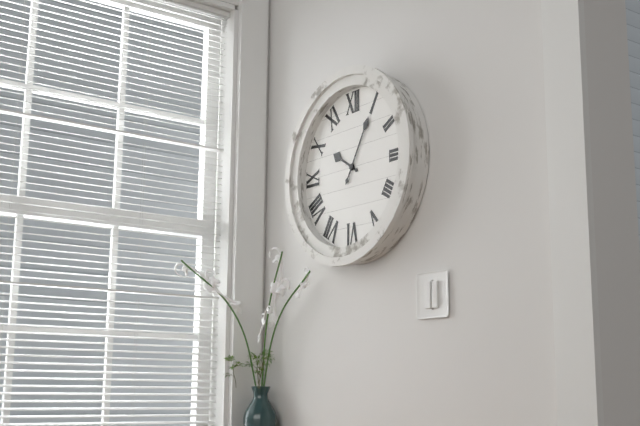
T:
10.05
